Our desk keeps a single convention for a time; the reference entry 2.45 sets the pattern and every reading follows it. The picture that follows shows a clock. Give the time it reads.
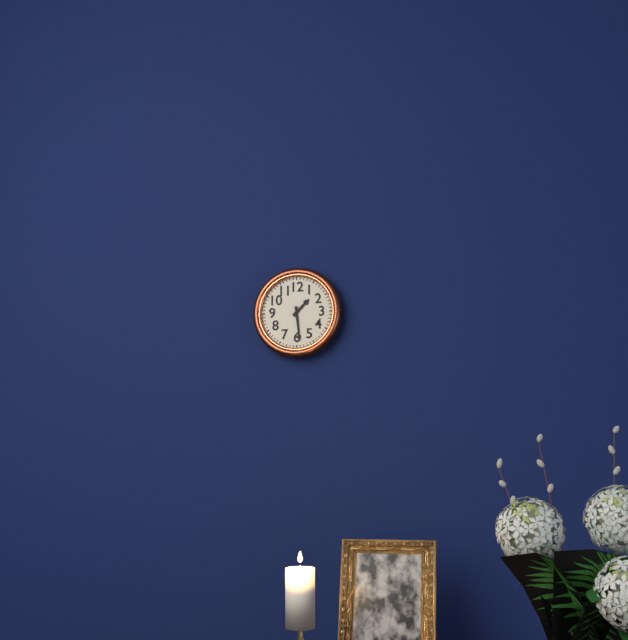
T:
1.29
